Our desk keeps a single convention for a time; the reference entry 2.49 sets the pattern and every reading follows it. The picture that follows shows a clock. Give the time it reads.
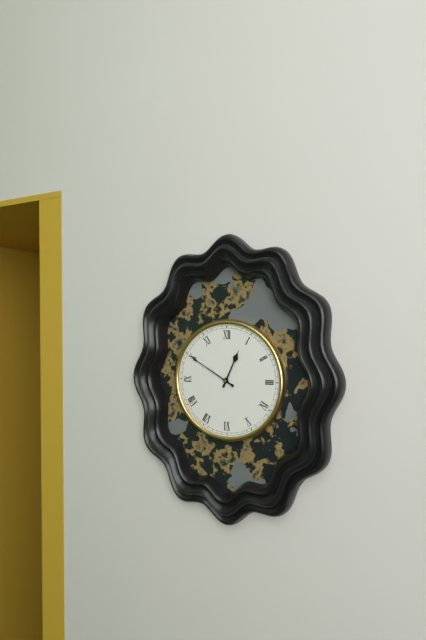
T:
12.50
